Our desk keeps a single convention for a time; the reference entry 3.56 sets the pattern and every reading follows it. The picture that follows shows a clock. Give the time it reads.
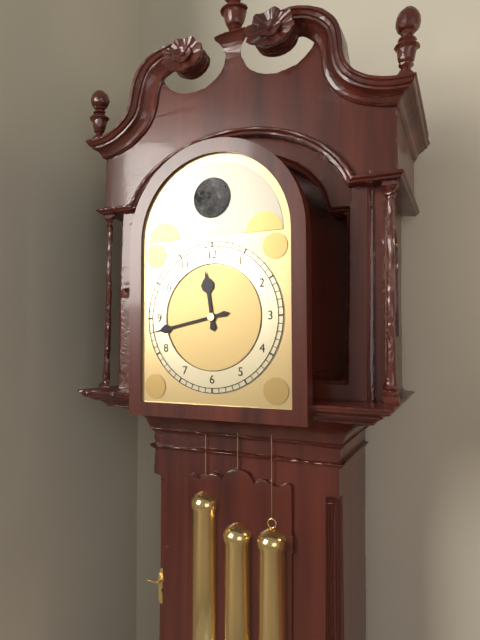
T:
11.43
